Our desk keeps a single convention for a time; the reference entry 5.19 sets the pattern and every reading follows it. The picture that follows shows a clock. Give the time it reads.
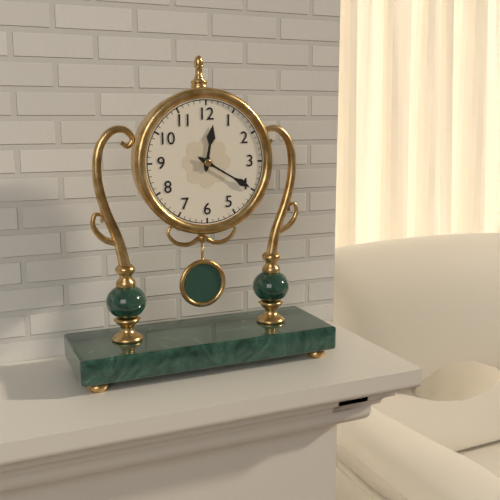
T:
12.20
